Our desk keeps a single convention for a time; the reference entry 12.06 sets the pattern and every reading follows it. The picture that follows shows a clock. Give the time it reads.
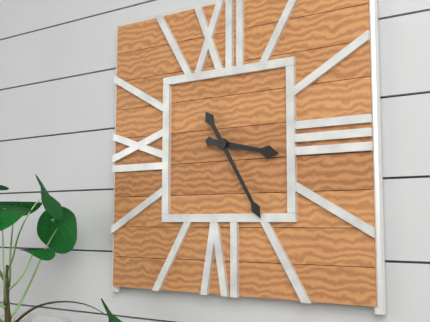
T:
3.25
